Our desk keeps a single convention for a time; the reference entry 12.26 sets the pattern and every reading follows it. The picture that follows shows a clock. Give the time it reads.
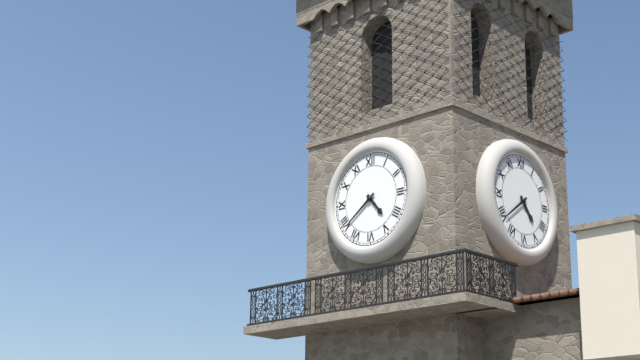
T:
4.39
